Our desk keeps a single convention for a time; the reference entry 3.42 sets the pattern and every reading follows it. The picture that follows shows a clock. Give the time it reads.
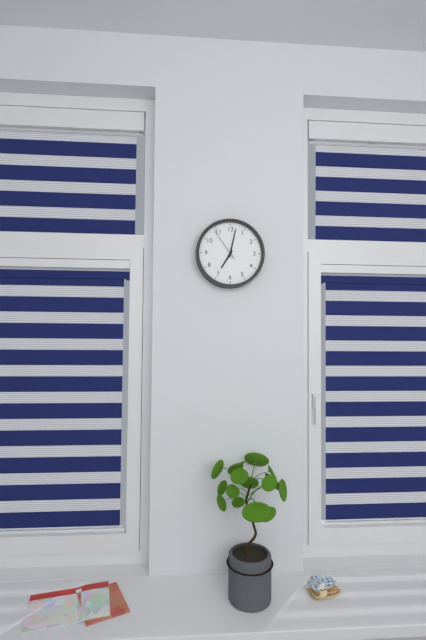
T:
7.02
